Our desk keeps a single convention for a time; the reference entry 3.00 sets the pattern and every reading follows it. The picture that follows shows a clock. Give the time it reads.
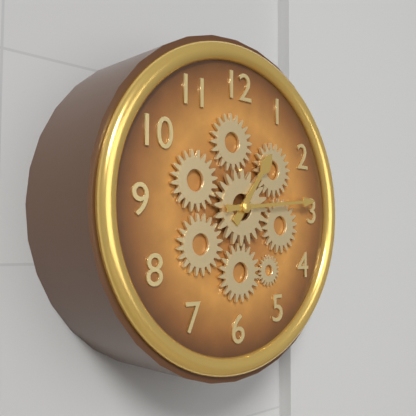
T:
1.14
